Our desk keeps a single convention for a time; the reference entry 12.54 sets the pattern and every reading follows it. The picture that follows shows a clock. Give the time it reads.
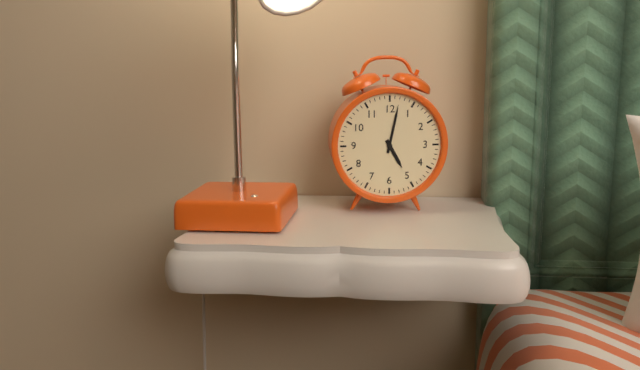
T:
5.02
